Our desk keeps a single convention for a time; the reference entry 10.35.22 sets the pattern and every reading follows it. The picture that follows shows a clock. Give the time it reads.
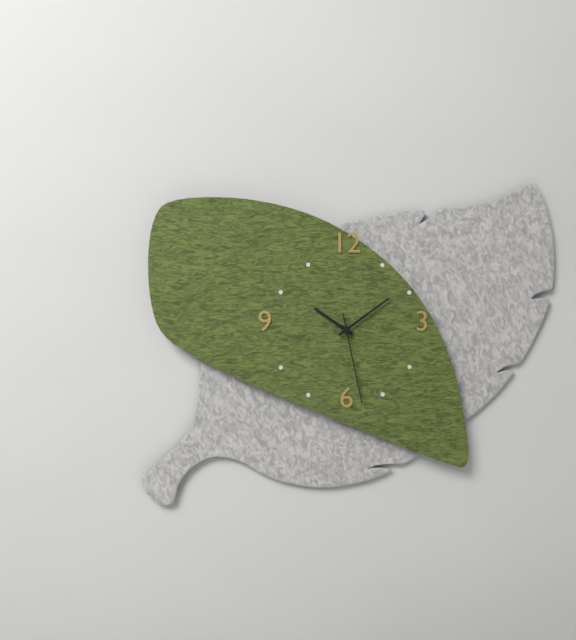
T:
10.09.28
